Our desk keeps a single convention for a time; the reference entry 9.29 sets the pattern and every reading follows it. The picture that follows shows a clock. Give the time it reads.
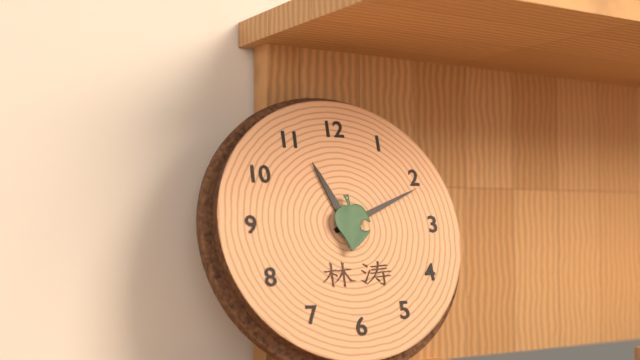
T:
11.11
